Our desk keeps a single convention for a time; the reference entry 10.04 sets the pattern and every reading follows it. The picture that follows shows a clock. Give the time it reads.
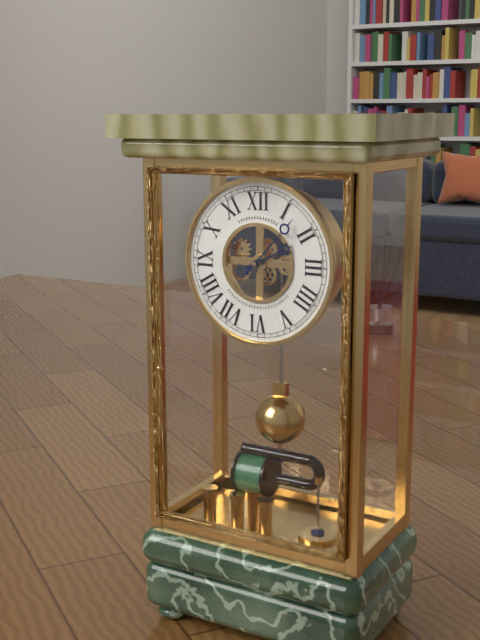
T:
2.07
